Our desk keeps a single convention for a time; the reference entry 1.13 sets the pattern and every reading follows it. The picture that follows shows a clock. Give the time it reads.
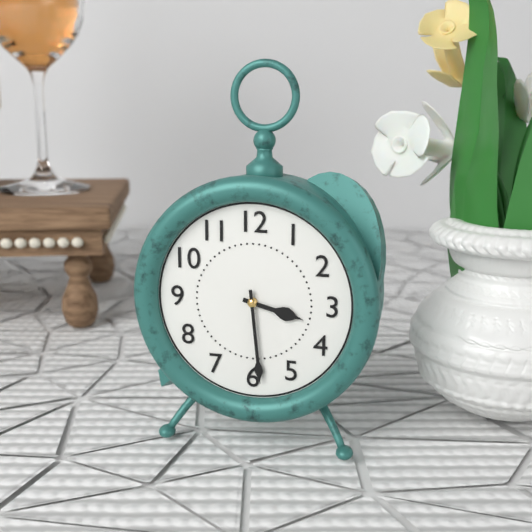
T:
3.29
